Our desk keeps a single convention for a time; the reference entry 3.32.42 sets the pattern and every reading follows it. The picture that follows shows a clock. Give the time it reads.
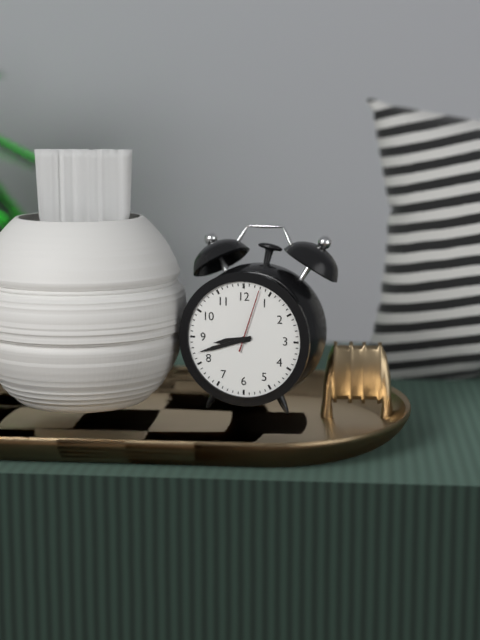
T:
8.42.03
